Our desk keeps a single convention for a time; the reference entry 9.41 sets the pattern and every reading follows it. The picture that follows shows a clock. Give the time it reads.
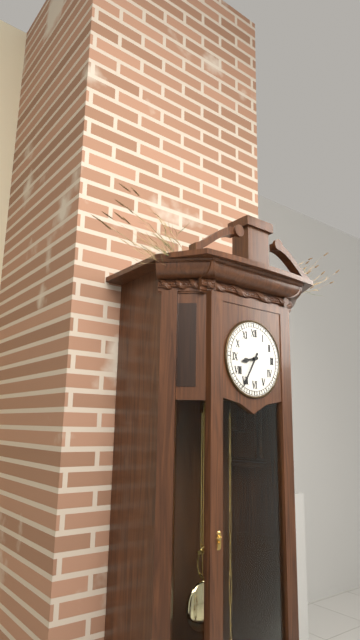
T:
8.35
